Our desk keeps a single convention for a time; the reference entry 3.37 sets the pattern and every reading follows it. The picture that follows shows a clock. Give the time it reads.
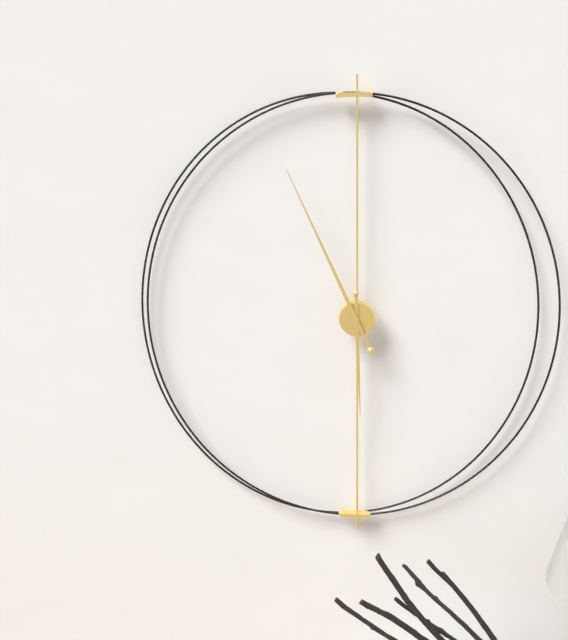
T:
5.56
